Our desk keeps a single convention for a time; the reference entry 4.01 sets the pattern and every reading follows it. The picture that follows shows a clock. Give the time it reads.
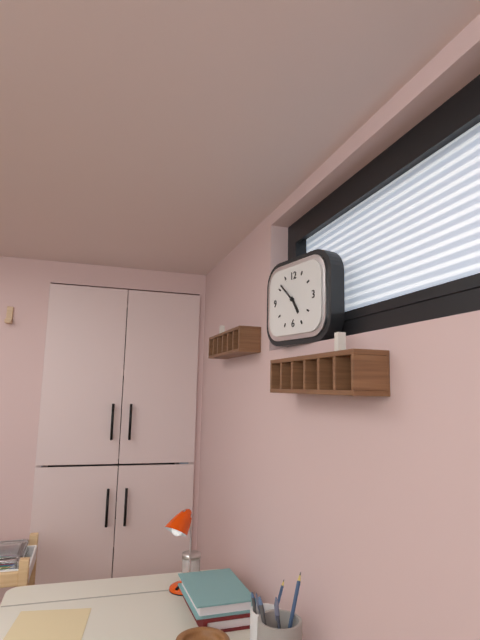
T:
4.52
